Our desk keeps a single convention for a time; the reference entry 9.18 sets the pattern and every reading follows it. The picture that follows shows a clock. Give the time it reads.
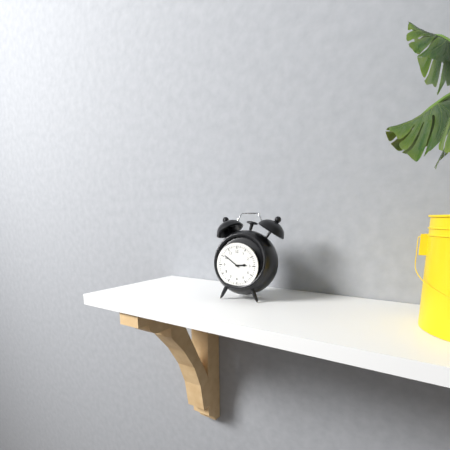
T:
2.51
